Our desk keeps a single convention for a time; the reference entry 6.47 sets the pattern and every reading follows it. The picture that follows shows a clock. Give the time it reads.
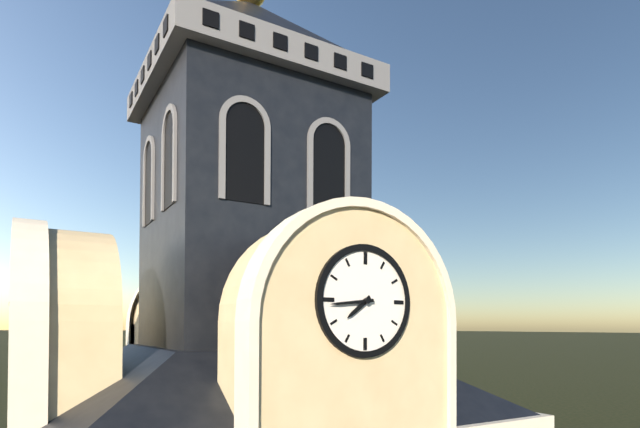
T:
7.44
